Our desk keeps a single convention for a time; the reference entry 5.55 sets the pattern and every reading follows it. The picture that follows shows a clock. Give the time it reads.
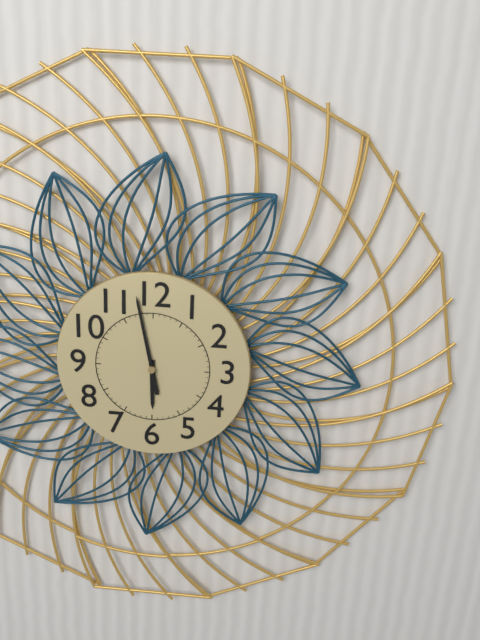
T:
5.58
